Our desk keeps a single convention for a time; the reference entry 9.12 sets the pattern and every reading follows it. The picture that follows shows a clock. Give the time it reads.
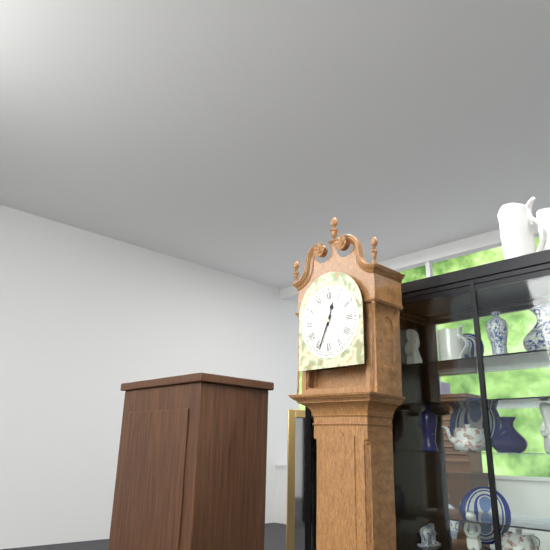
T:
12.34
